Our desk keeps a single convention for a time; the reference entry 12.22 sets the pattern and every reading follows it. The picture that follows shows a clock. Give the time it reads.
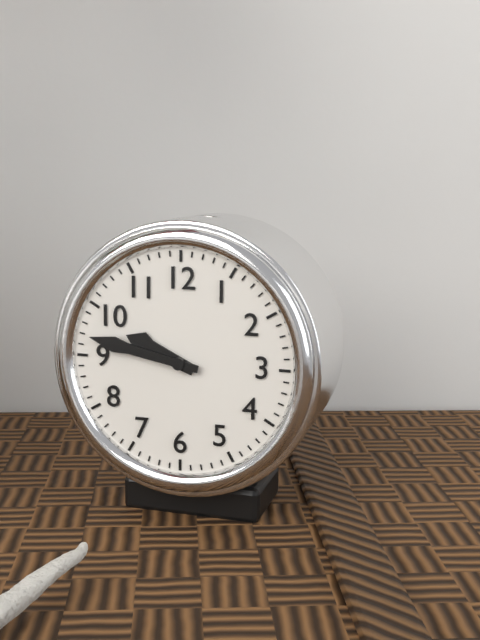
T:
9.47
